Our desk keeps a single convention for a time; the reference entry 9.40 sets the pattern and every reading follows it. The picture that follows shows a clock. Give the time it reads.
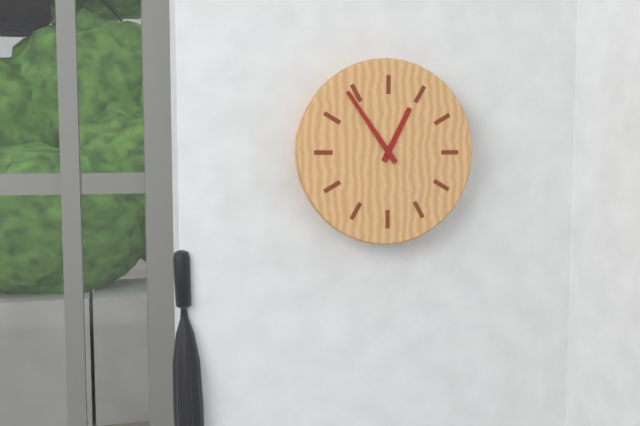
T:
12.54
